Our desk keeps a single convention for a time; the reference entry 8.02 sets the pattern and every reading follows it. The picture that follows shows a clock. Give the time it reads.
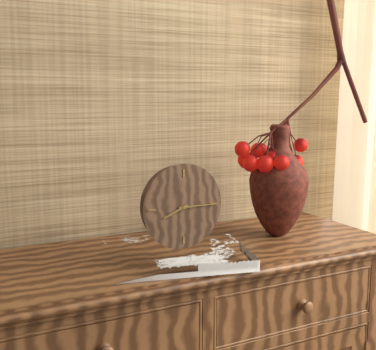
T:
8.15
